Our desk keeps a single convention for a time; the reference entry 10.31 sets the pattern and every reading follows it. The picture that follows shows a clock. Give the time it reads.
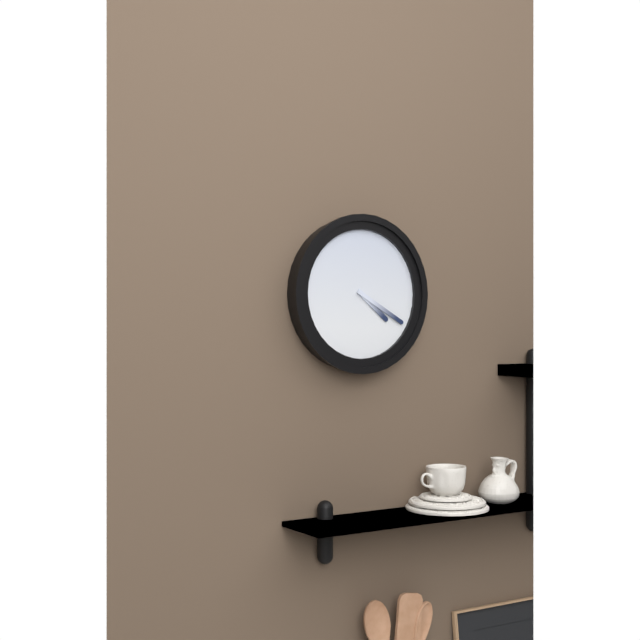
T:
4.20
